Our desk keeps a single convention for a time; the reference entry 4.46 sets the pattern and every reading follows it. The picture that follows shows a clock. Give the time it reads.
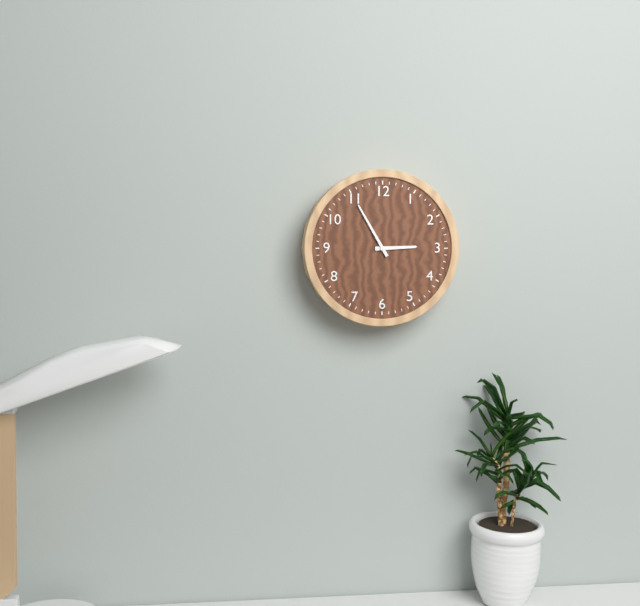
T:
2.55
